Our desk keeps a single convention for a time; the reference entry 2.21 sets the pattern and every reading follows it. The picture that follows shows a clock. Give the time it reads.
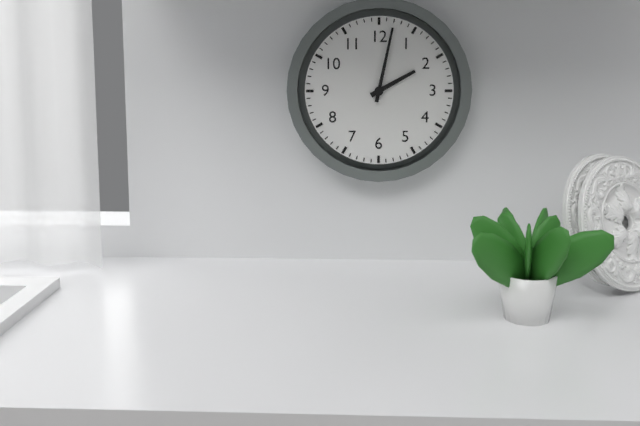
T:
2.02
